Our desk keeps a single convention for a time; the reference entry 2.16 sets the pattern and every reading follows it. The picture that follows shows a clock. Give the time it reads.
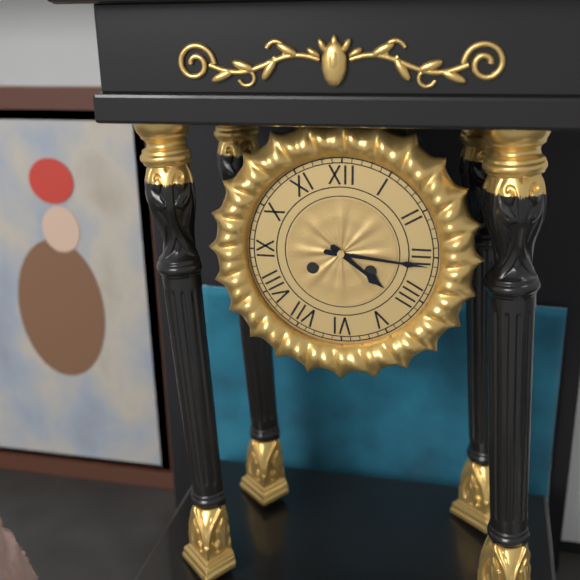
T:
4.16
